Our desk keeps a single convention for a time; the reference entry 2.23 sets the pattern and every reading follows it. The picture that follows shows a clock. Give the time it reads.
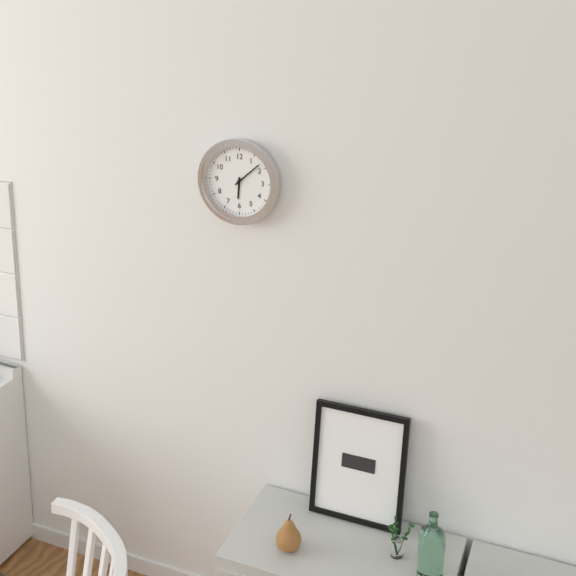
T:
6.08
